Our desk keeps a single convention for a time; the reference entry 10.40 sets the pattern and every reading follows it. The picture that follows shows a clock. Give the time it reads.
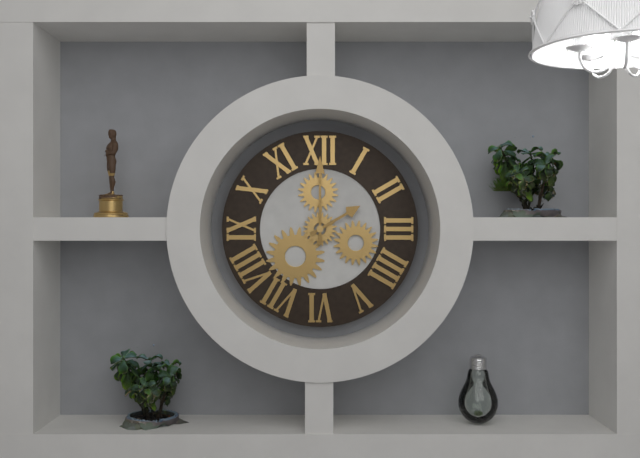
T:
2.00
